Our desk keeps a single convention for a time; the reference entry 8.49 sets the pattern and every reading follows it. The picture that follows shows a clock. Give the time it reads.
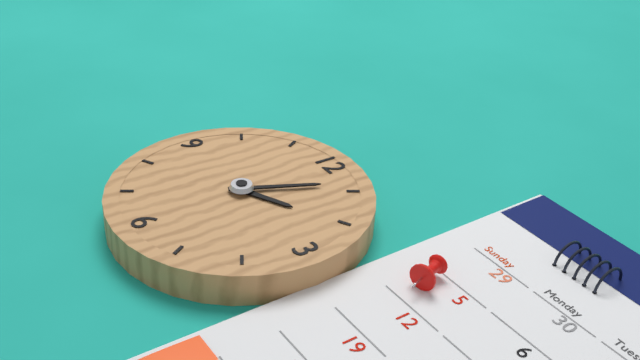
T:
2.04
